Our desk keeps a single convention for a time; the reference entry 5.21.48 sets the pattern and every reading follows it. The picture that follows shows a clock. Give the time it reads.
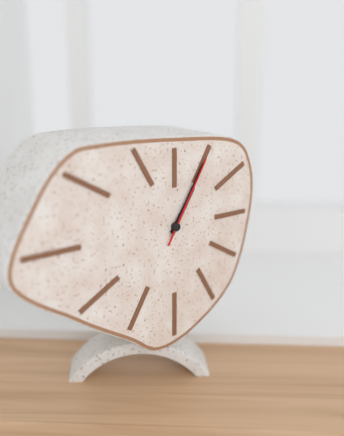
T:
1.05.05
